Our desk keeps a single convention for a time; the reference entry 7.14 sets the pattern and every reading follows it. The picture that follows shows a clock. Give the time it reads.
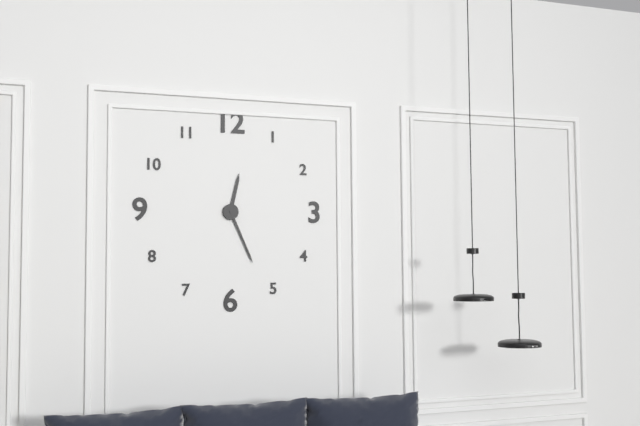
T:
12.26
